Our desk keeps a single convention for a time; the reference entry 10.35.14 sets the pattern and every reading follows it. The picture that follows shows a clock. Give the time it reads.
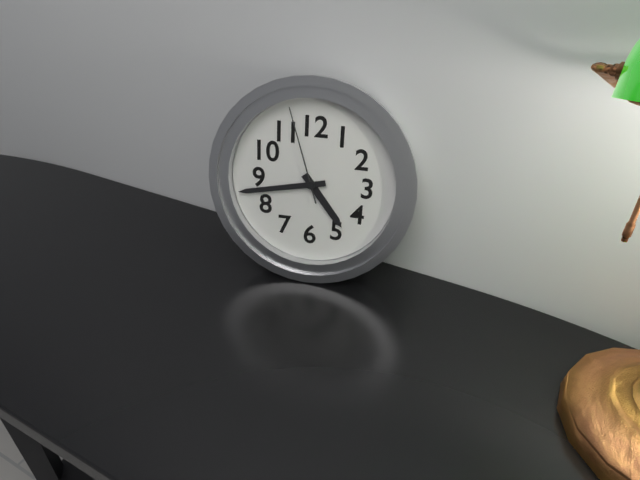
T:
4.43.57
